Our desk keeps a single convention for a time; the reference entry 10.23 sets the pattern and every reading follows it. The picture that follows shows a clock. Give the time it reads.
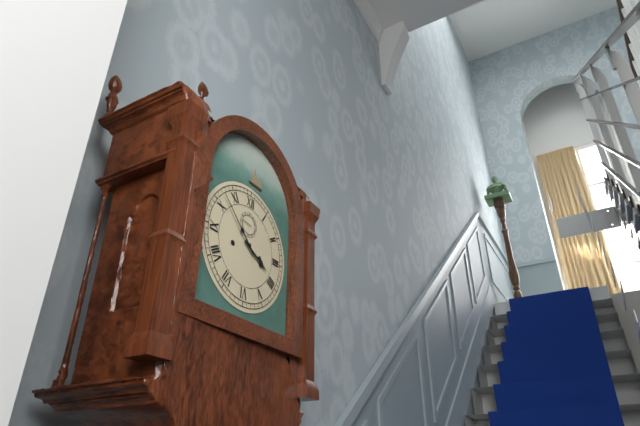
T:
3.52
